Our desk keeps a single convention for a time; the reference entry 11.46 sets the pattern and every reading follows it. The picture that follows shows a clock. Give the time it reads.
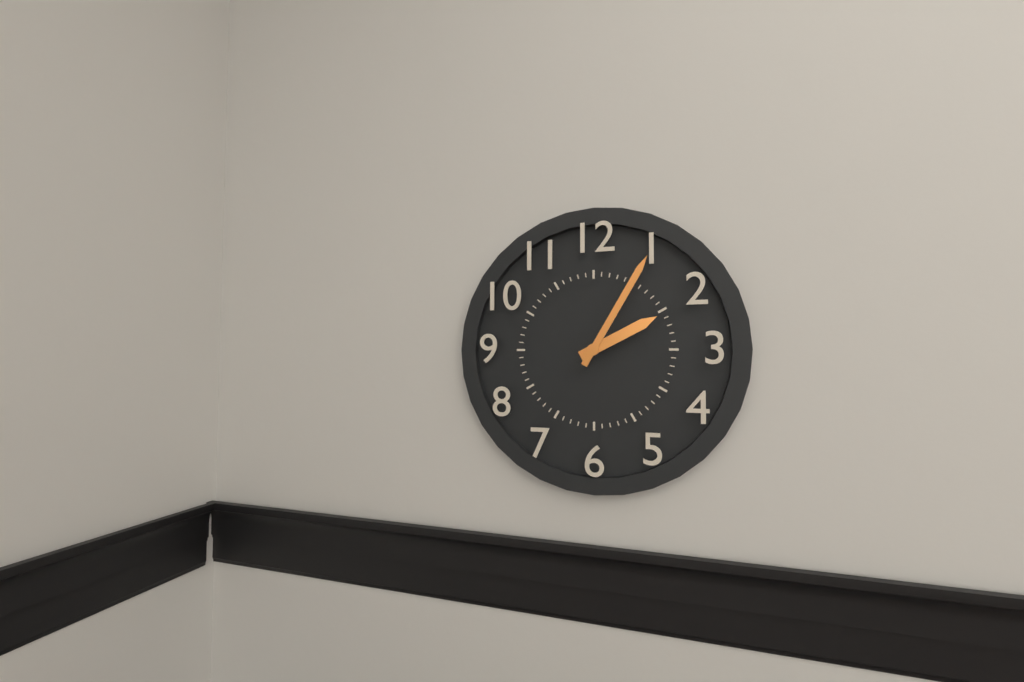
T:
2.05
